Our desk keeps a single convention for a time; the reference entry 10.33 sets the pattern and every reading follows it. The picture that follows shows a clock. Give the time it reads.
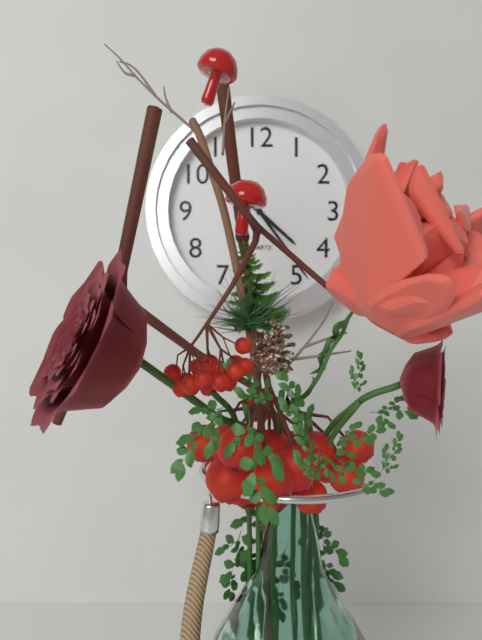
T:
4.24
